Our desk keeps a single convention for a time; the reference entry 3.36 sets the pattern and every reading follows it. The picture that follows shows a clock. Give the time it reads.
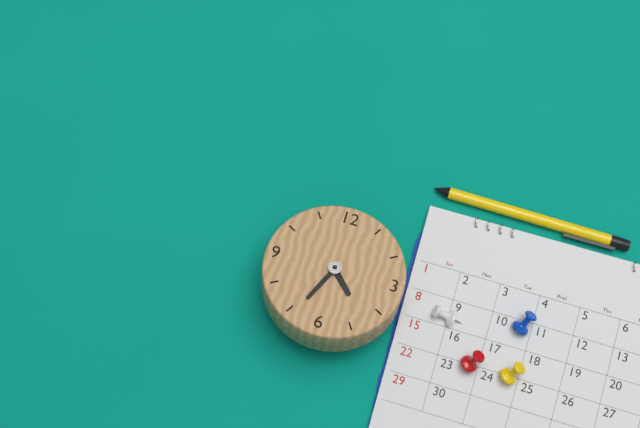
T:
4.34
